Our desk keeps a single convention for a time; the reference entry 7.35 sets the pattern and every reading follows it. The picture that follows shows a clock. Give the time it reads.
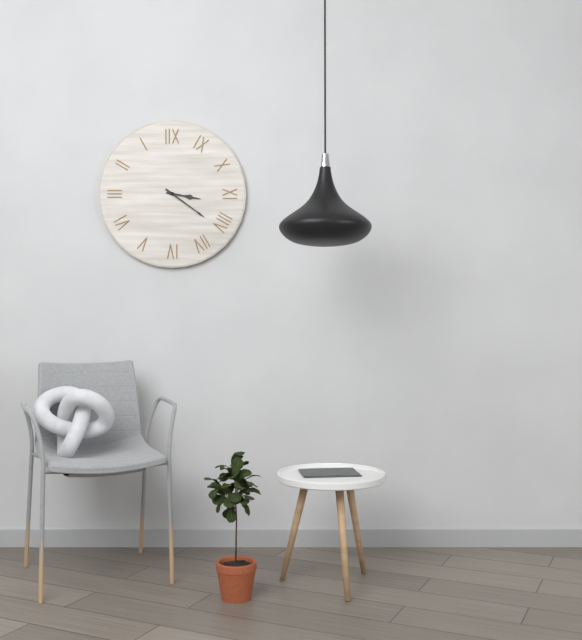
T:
3.21
